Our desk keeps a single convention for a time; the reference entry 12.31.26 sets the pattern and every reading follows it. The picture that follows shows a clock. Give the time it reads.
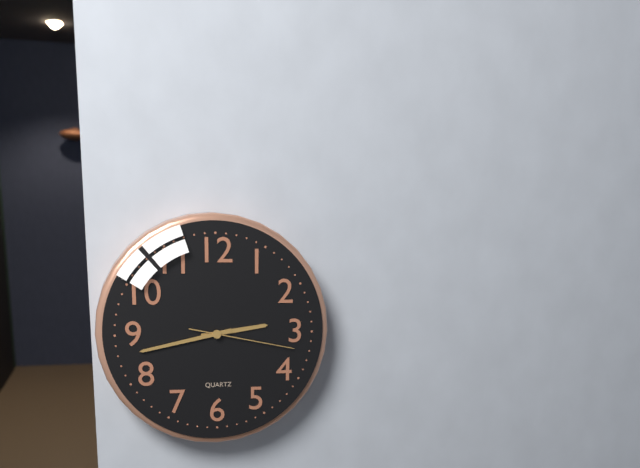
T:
2.43.17
